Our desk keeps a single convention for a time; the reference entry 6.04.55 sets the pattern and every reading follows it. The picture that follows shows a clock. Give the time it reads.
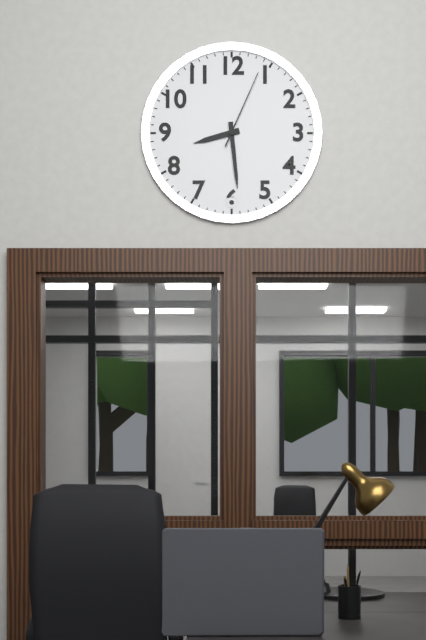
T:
8.29.04
